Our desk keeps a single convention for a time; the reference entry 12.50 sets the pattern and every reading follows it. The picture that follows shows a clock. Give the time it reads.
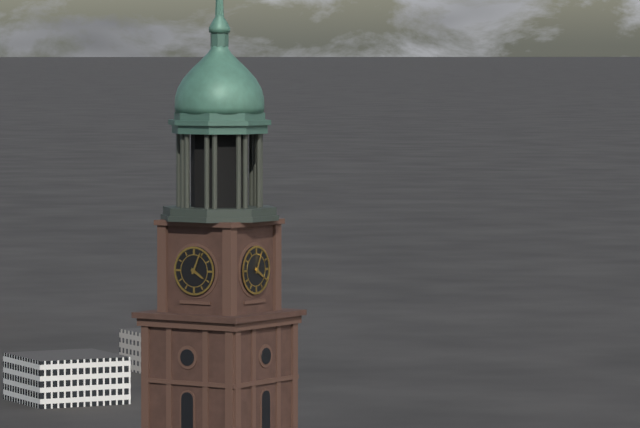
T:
4.04
